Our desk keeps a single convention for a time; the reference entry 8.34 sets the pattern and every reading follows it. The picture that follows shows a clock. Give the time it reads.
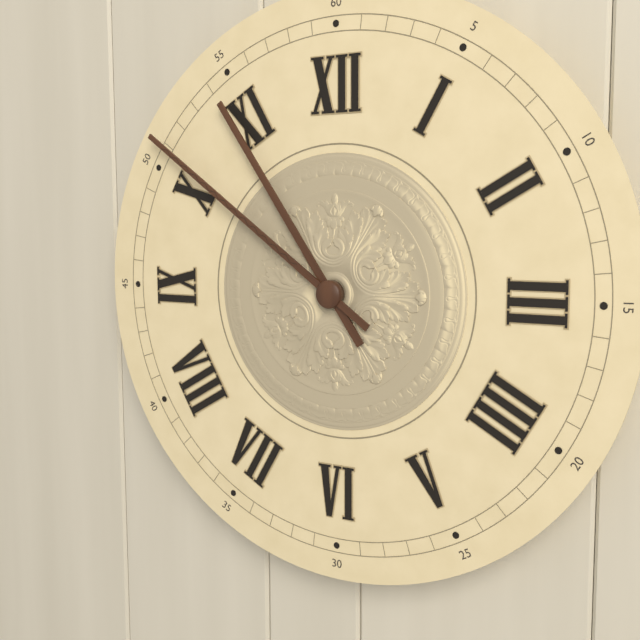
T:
10.51
